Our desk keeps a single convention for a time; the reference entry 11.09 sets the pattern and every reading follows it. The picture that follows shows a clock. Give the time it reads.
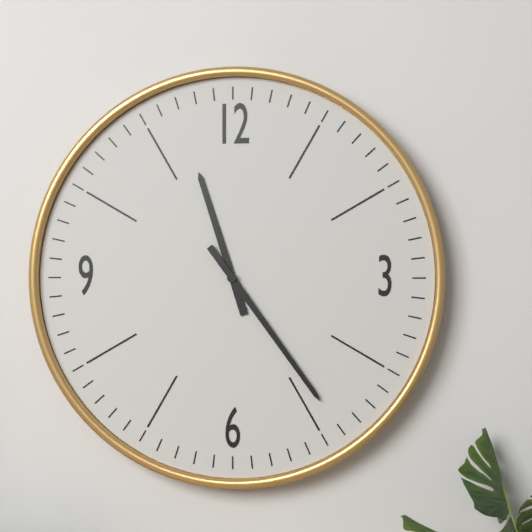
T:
11.24
